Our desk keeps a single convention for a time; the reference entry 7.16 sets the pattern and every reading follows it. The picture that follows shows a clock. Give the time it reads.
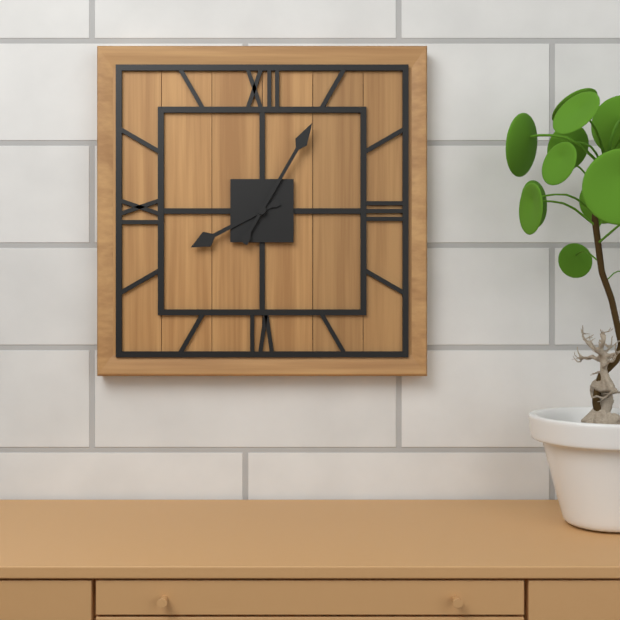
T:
8.05
